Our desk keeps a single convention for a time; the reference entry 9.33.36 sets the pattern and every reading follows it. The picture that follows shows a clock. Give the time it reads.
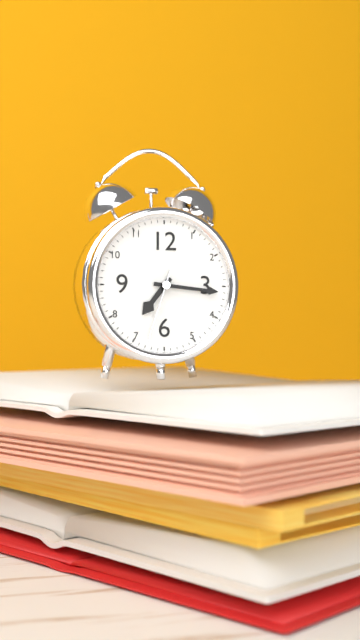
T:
7.16.33
